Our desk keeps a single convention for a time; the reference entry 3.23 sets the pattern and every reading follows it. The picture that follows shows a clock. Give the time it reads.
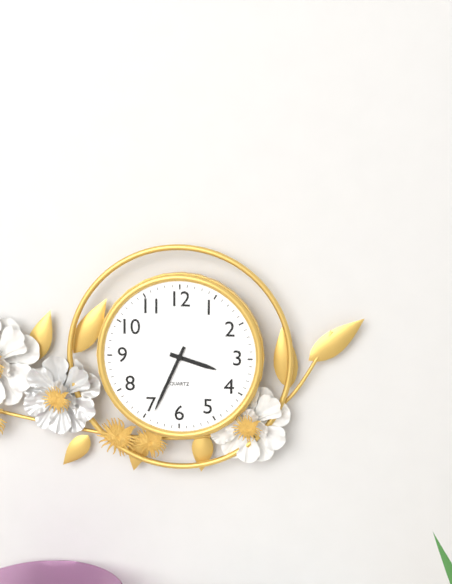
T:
3.34
